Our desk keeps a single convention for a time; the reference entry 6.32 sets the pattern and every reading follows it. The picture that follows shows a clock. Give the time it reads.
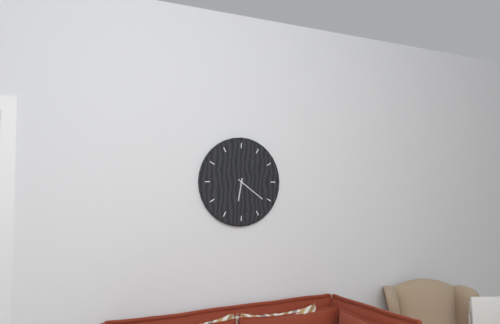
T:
6.21
